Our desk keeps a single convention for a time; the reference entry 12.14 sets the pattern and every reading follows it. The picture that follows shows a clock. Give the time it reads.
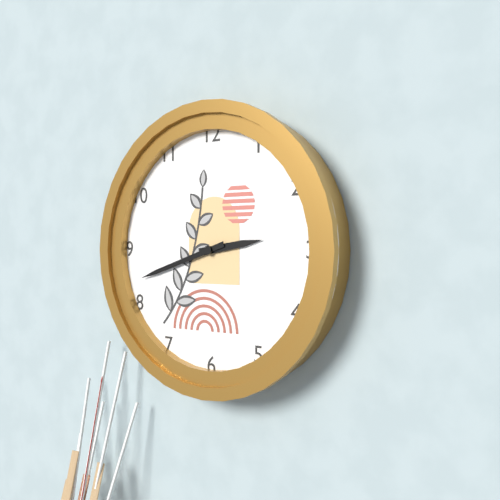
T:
2.42
